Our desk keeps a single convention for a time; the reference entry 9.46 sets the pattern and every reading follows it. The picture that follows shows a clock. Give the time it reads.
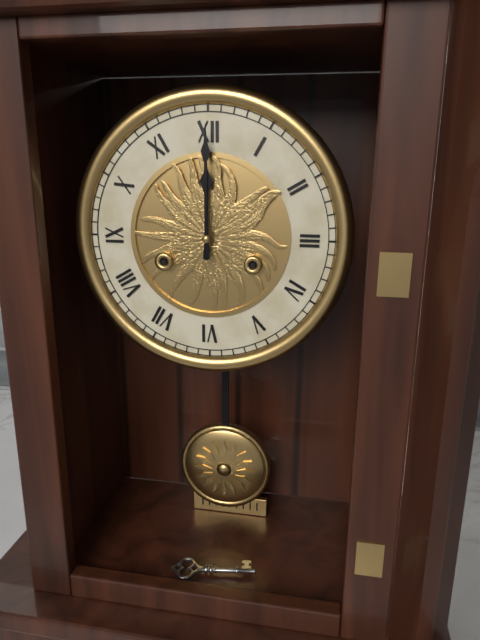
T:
12.00
